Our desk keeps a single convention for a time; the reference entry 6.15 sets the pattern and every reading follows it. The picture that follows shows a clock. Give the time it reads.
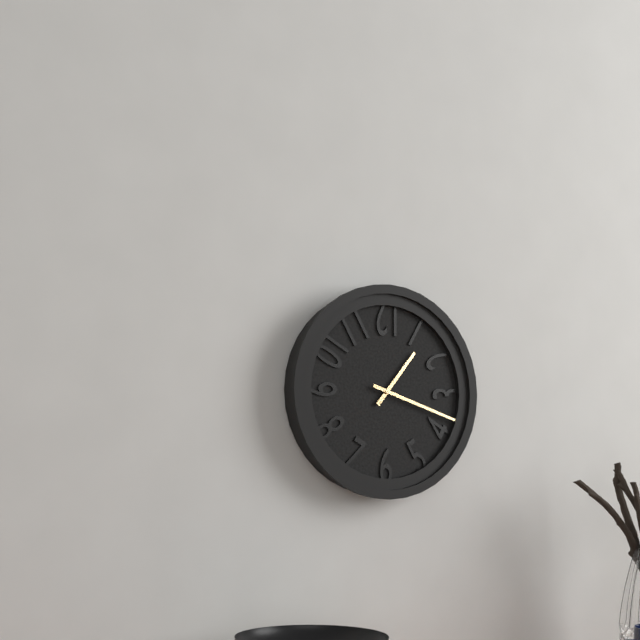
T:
1.18
